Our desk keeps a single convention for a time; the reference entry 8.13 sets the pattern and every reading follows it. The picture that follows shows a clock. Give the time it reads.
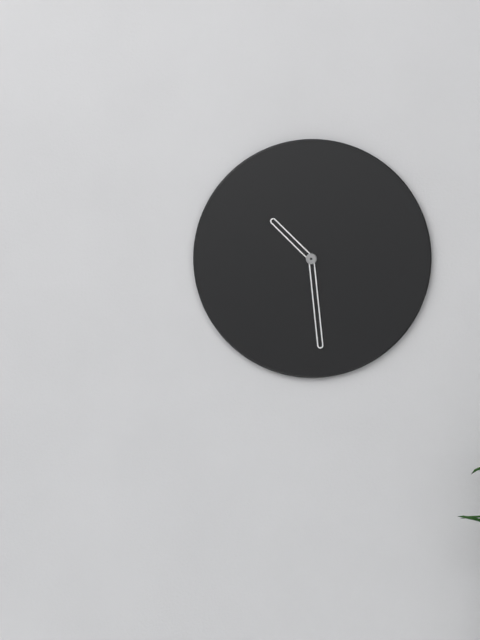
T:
10.29
